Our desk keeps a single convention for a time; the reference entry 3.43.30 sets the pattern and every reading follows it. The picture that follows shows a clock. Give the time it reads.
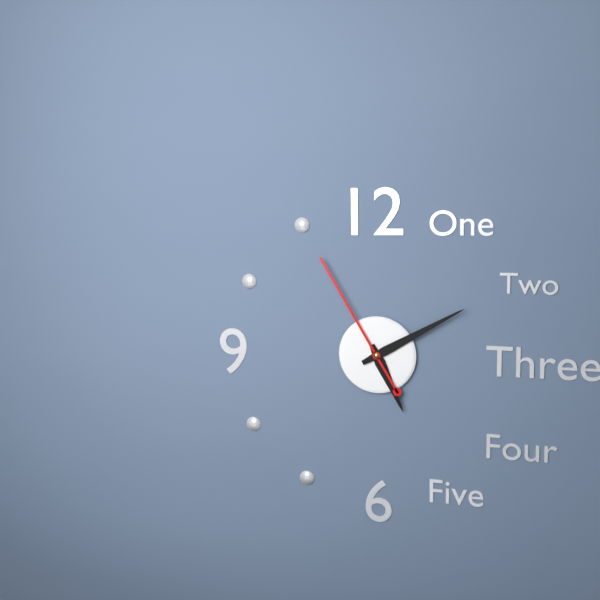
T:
5.10.55
